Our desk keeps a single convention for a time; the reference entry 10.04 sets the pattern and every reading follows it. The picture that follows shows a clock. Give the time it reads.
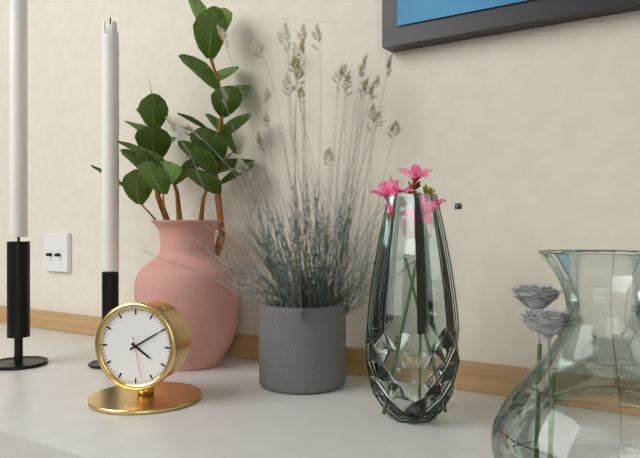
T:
4.10
